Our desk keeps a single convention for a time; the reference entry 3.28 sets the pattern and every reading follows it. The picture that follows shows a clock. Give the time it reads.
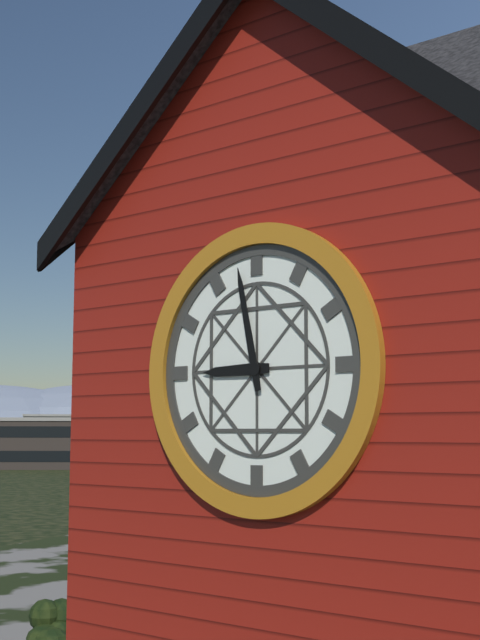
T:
8.58
